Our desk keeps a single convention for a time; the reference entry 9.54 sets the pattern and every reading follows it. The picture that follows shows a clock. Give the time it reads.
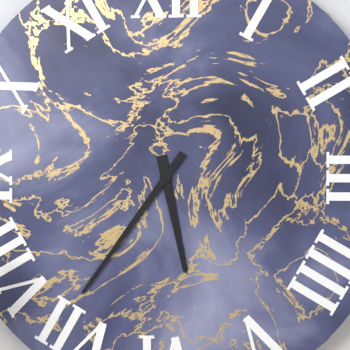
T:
5.36
